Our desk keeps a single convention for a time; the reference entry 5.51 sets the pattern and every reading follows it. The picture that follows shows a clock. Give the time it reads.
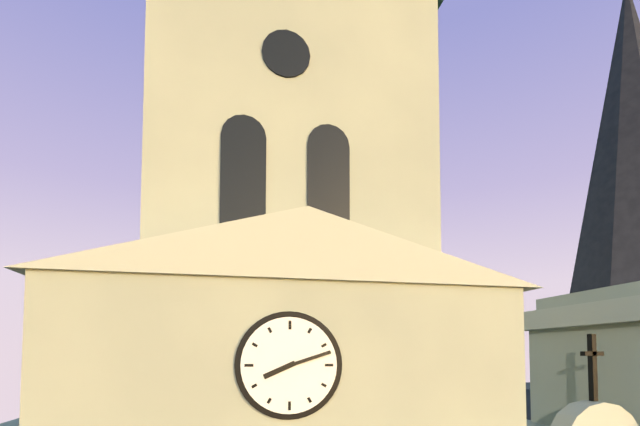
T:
8.12
